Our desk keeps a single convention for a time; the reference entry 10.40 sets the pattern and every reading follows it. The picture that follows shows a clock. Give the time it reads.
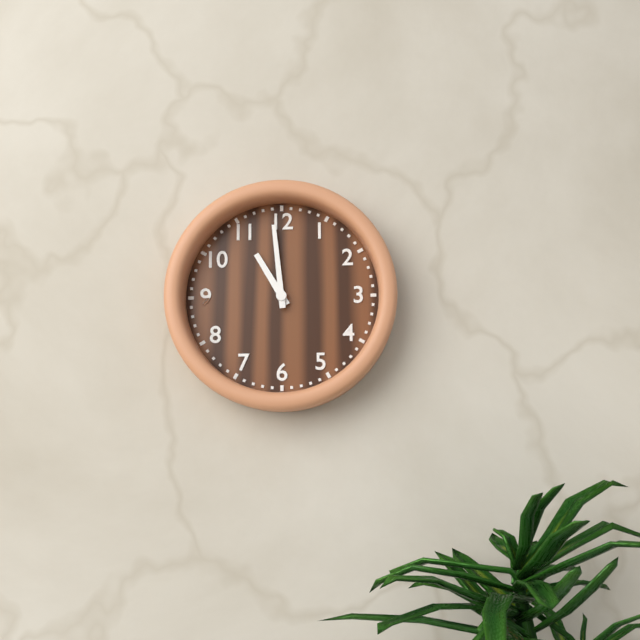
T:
10.59
